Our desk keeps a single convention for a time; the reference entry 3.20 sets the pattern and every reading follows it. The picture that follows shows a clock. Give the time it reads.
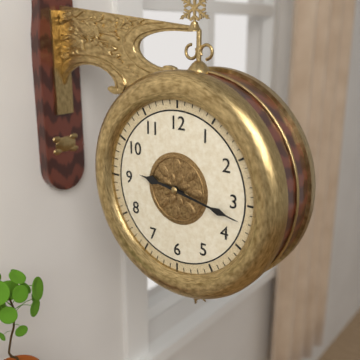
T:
9.17
